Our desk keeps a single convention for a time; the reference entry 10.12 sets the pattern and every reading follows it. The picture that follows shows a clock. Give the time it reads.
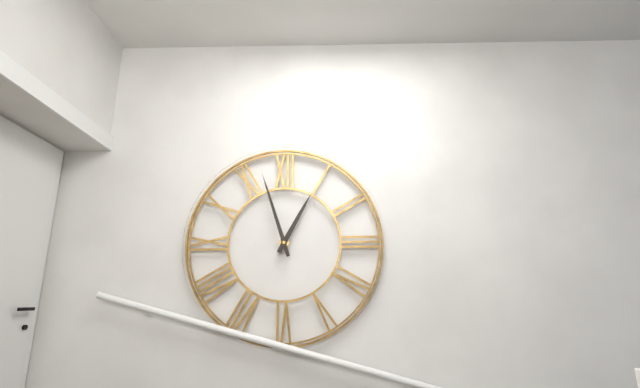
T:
12.57
